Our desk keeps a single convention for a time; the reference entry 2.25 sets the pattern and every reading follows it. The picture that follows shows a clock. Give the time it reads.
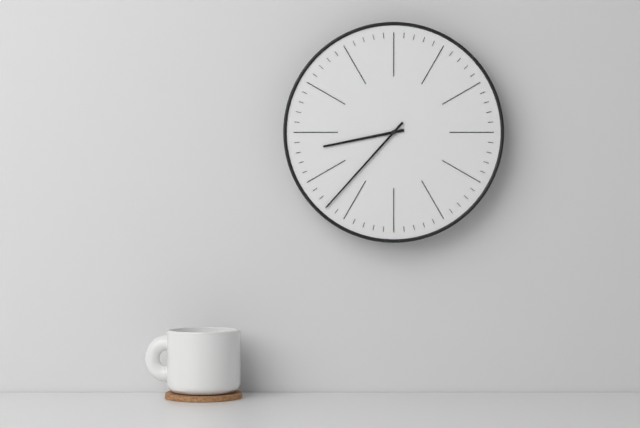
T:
8.37
